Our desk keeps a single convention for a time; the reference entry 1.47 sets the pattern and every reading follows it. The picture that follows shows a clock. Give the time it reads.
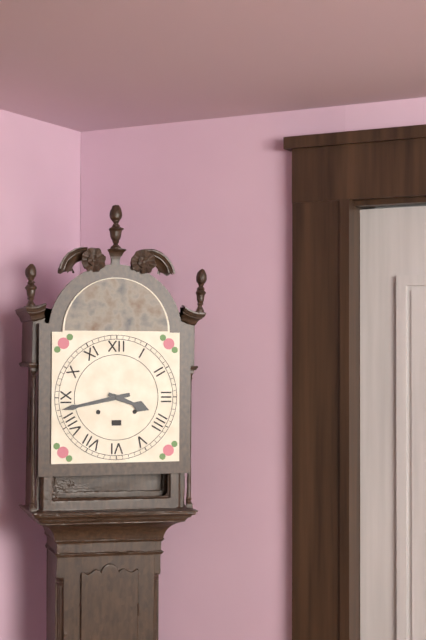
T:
3.43
